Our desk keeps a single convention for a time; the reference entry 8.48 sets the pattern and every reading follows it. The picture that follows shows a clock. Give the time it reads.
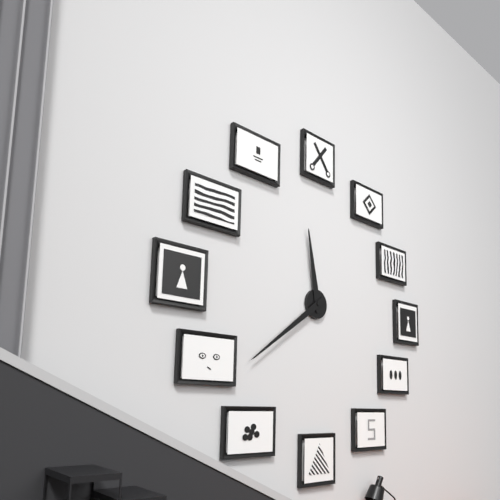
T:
11.39
